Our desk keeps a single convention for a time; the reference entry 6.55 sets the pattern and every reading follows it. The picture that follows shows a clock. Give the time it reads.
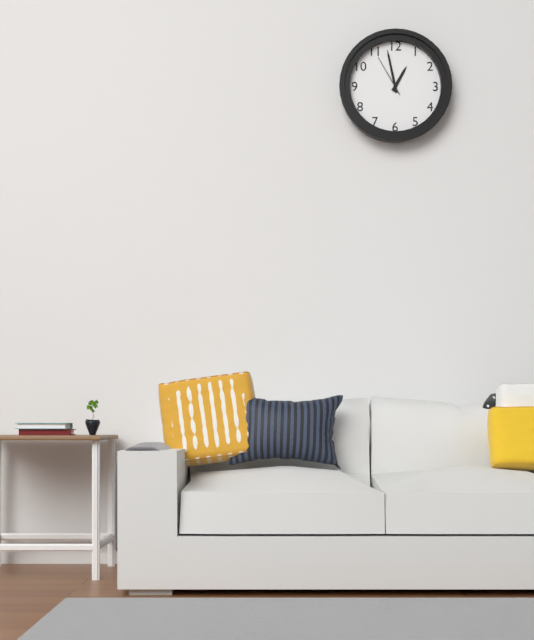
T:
12.58
